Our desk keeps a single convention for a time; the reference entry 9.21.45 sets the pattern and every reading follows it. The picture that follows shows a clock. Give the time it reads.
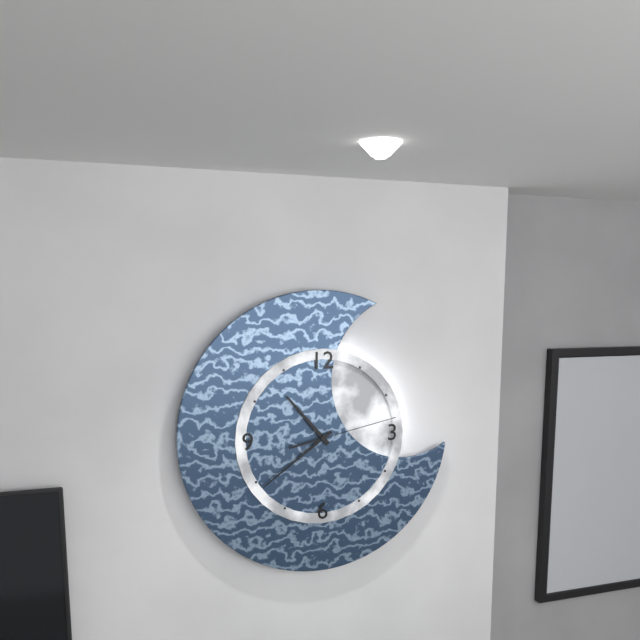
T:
10.39.13
